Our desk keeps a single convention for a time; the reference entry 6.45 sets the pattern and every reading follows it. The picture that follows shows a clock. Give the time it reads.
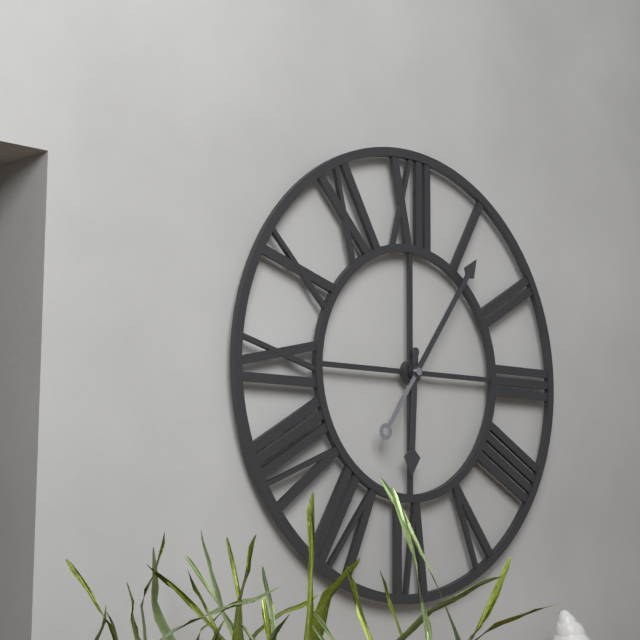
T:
6.06
